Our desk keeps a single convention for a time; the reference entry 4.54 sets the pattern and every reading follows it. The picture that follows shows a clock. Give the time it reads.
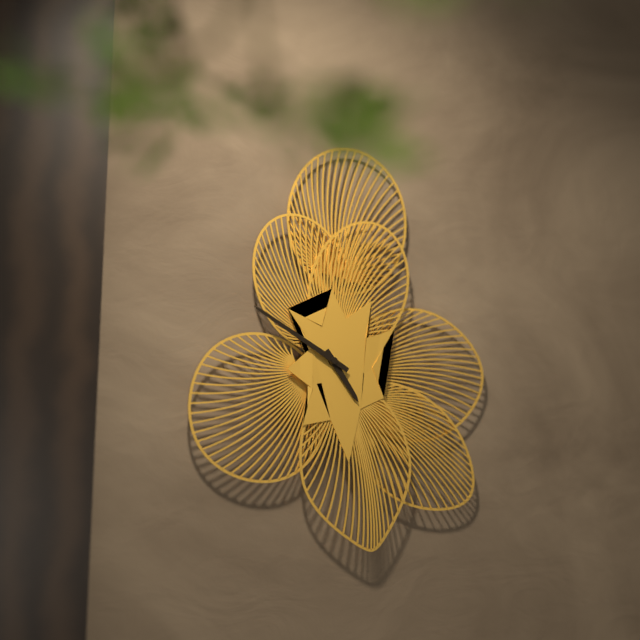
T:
4.50
